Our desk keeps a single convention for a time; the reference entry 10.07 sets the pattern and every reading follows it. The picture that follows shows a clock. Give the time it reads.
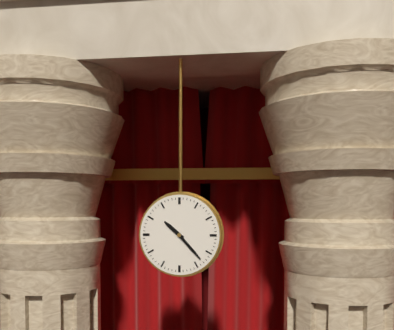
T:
10.23
